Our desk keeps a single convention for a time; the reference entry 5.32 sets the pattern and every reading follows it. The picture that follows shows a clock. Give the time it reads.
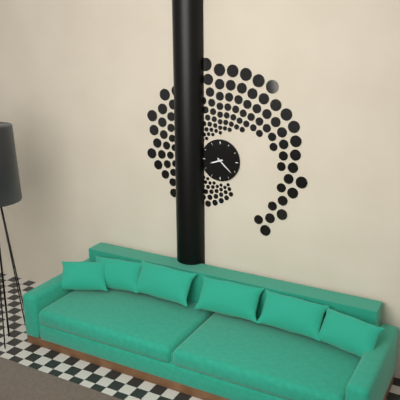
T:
8.22
